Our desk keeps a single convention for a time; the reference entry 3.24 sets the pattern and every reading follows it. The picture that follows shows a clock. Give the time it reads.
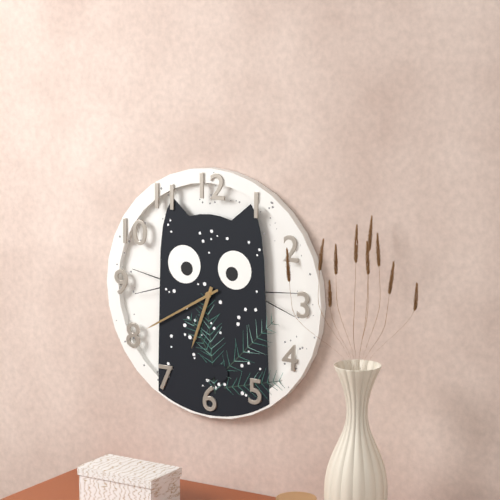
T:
6.40
